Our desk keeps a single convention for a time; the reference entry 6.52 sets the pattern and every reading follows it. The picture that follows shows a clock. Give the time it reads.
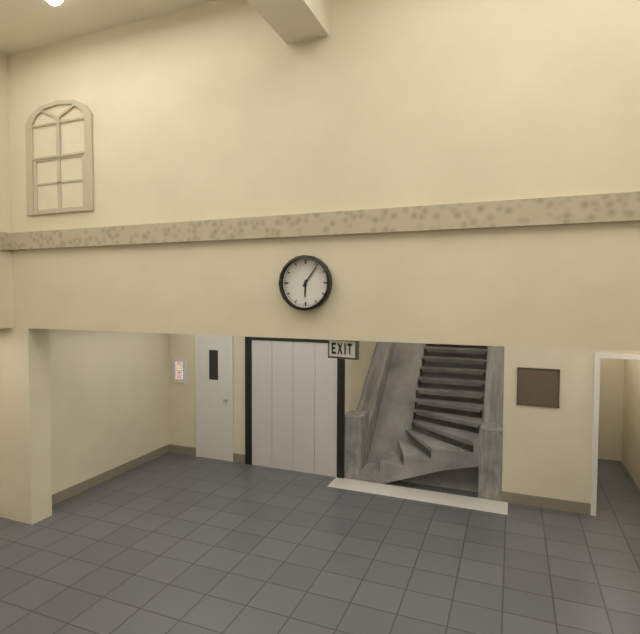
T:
6.06
